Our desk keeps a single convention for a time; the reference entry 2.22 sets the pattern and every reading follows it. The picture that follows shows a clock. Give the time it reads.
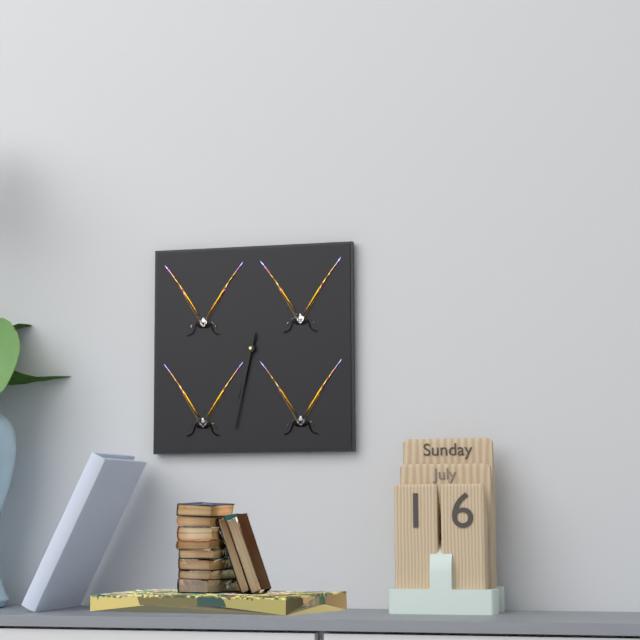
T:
6.32
